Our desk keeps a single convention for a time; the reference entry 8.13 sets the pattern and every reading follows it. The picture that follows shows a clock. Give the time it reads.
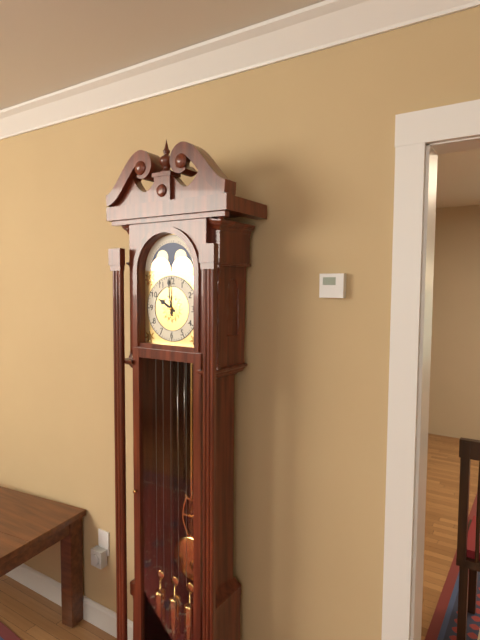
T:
9.59
